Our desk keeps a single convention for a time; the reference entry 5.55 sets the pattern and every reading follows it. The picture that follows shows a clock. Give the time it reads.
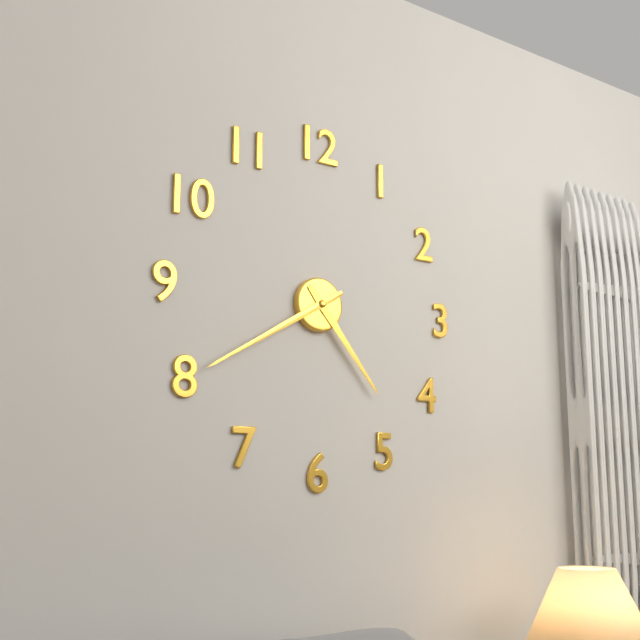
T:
4.40
